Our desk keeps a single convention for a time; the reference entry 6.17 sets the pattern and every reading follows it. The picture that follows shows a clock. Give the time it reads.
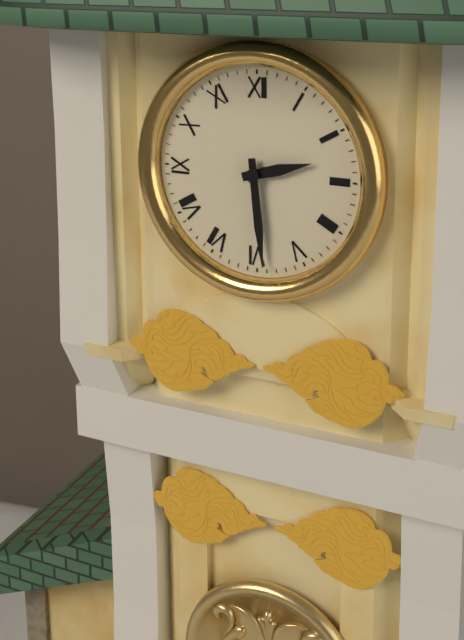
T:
2.29
